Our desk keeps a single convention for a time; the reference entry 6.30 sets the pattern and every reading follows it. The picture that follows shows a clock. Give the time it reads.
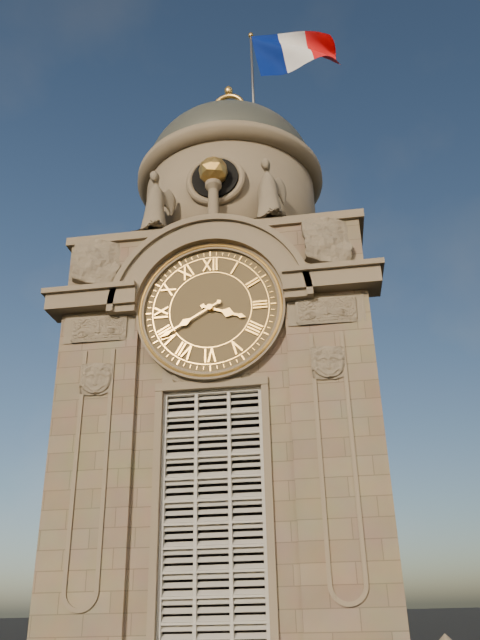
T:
3.40
